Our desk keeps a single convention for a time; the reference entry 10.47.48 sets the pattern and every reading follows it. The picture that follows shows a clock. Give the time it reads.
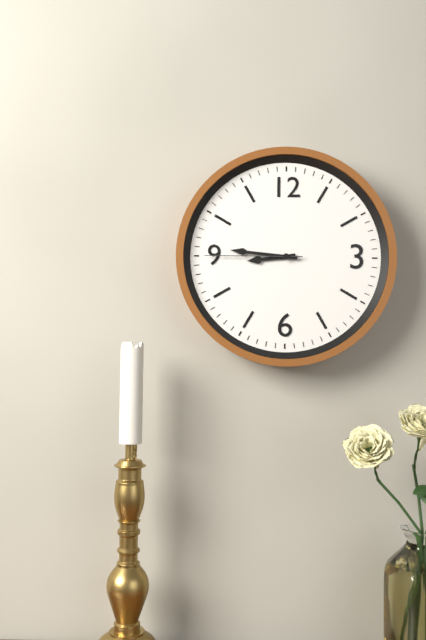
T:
8.46.45
